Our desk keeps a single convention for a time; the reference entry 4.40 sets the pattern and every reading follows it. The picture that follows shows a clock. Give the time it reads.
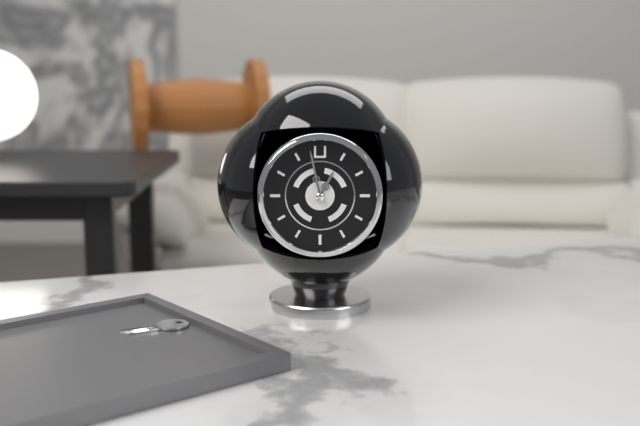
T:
12.58
